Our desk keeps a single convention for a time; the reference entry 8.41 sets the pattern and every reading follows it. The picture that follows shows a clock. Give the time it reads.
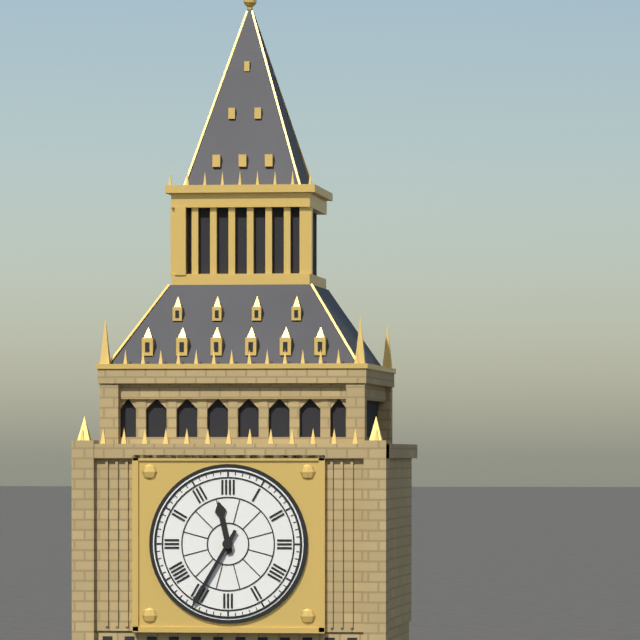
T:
11.35
